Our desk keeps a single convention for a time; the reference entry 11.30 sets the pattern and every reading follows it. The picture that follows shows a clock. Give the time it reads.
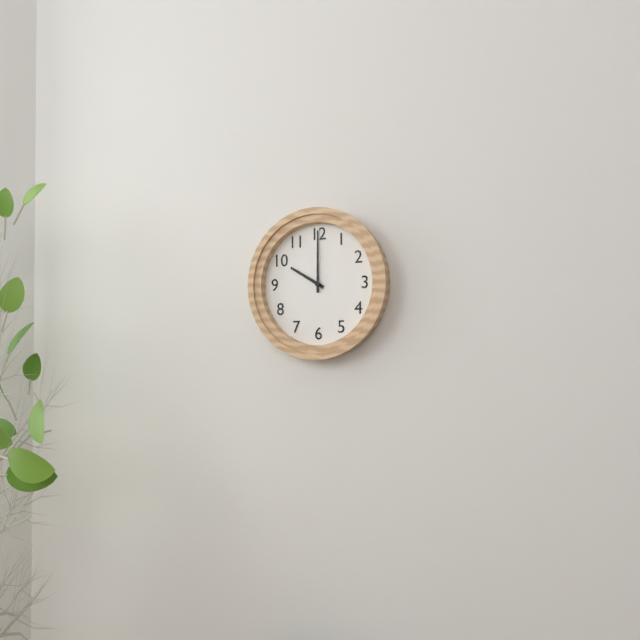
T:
10.00
